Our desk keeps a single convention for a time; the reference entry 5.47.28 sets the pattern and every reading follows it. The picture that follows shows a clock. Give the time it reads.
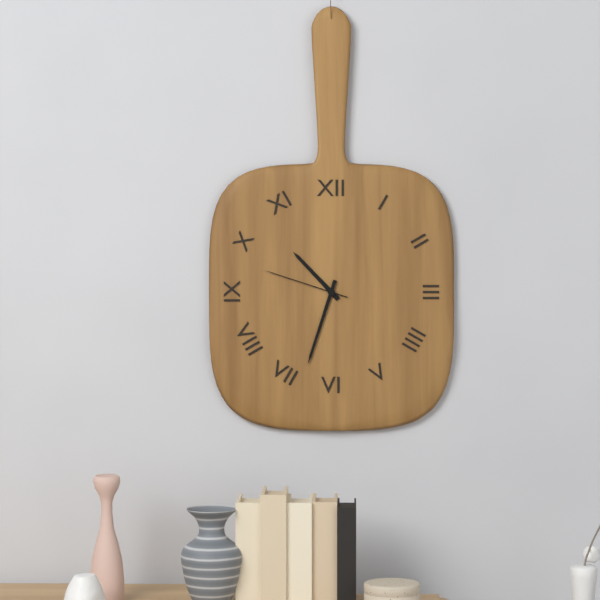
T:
10.33.48
